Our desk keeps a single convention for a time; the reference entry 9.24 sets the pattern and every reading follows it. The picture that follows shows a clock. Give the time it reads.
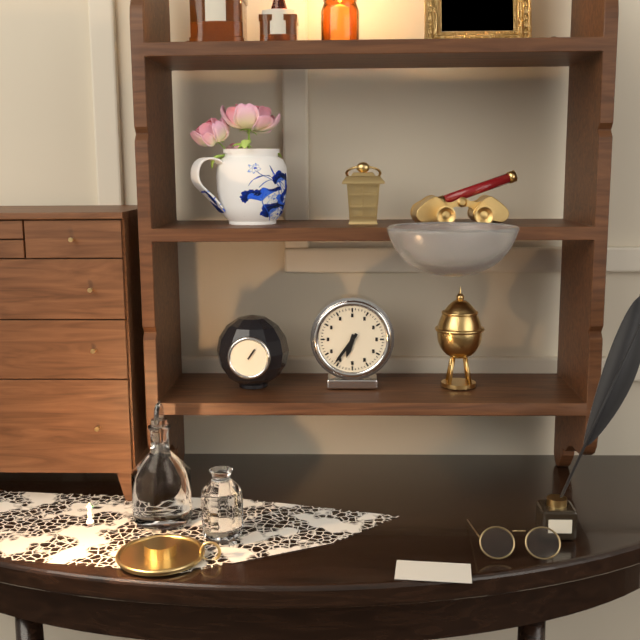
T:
6.36
